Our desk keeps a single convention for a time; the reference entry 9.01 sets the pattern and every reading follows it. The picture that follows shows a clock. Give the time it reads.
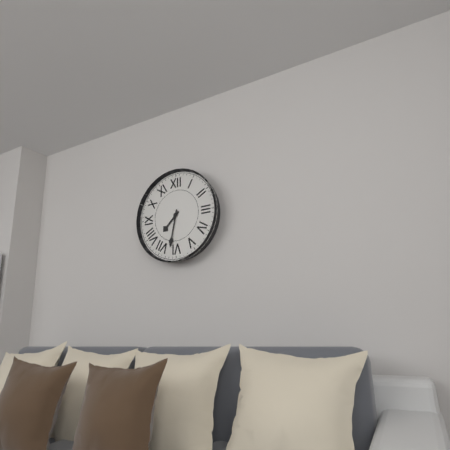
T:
7.32
